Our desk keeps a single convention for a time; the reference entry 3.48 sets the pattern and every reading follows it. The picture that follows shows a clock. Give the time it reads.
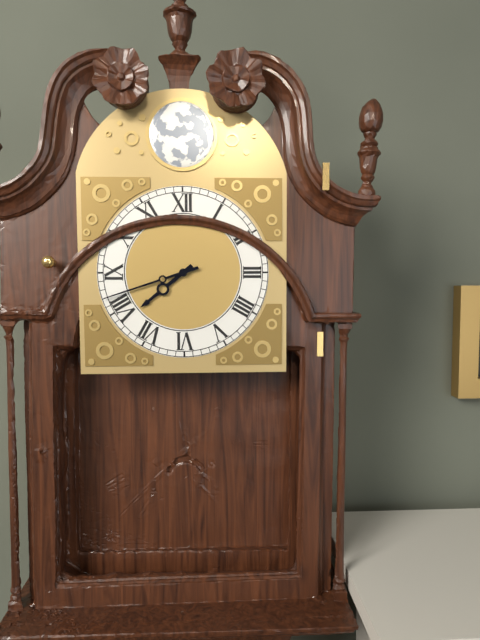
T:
7.42
